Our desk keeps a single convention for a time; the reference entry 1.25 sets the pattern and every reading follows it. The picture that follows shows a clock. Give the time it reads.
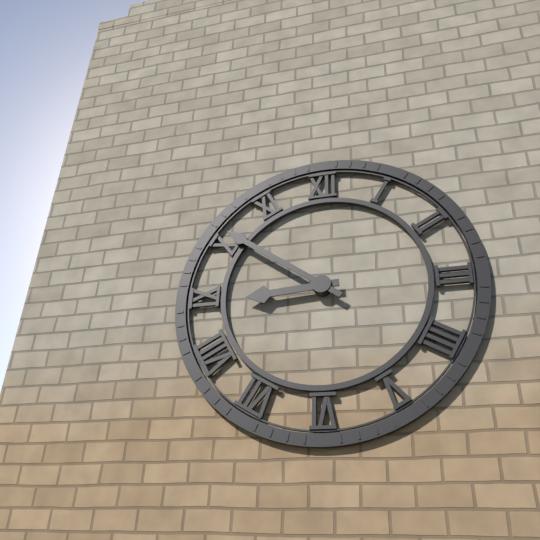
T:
8.51
